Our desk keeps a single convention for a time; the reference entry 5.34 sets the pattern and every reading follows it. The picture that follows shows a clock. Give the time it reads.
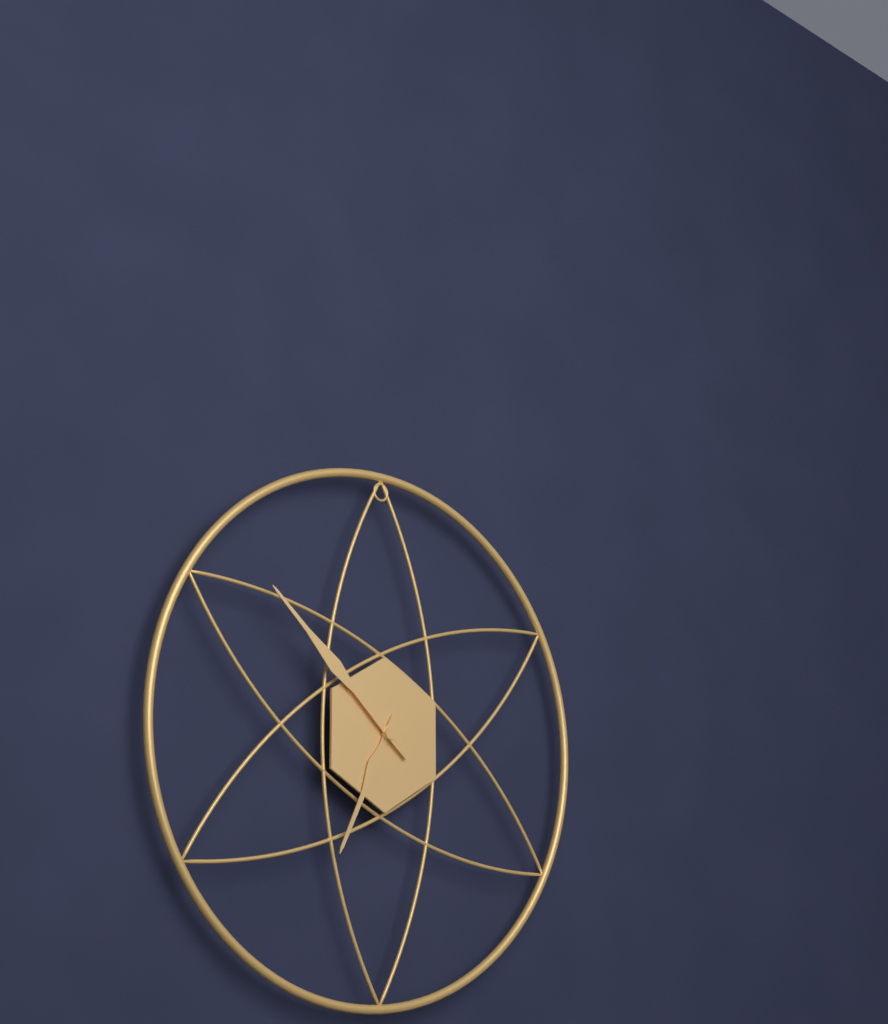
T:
6.52
